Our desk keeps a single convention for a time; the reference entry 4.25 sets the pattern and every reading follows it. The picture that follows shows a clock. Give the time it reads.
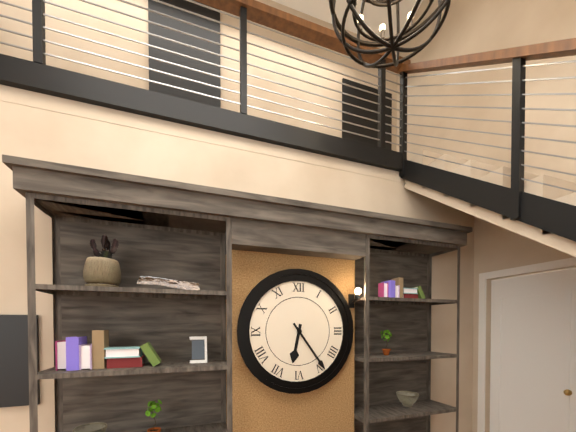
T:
6.24
